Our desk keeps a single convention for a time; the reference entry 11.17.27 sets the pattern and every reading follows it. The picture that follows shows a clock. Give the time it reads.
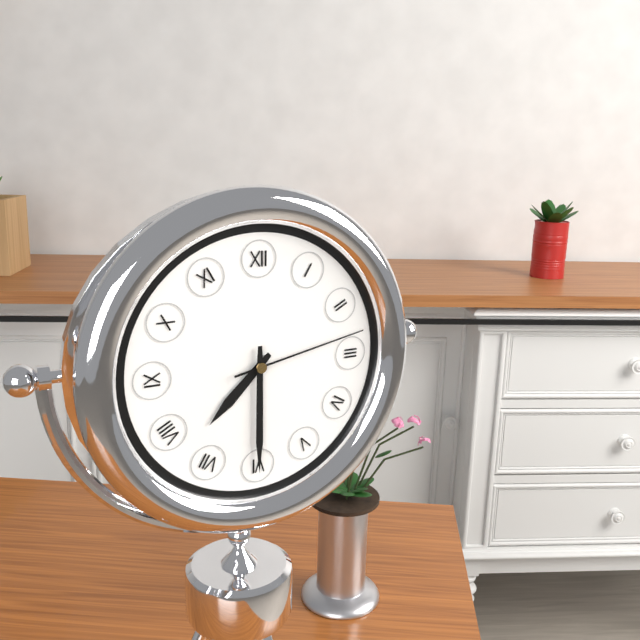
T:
7.30.13
